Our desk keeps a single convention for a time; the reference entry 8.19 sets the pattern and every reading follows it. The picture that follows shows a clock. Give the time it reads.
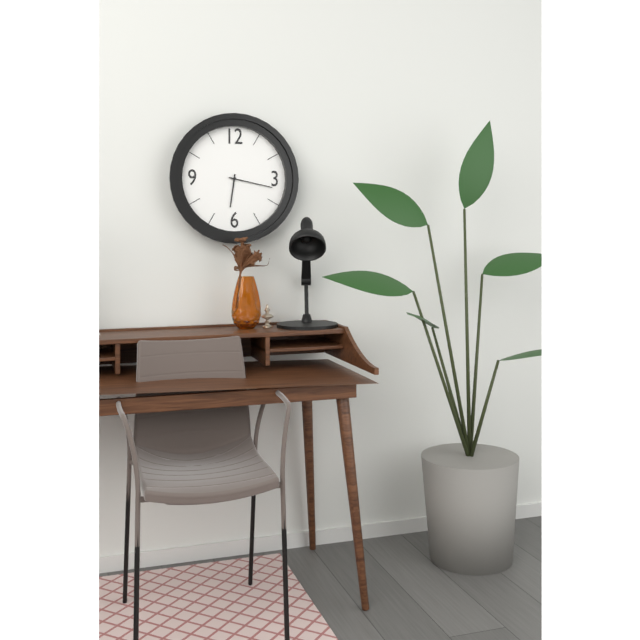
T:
6.17
